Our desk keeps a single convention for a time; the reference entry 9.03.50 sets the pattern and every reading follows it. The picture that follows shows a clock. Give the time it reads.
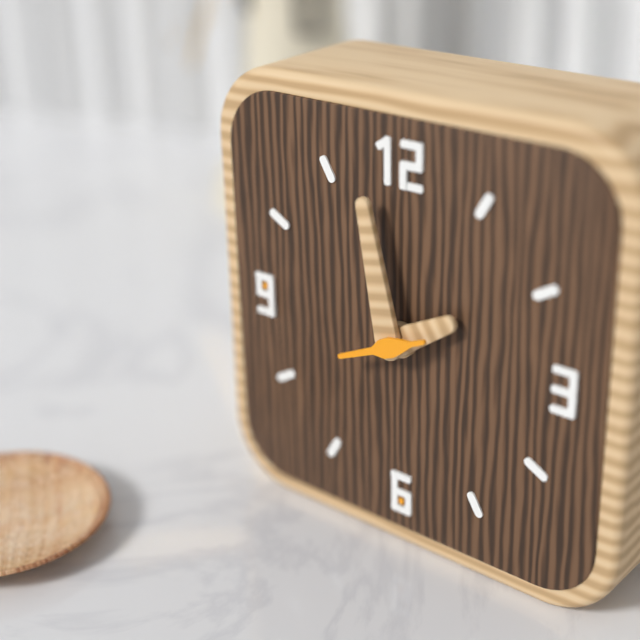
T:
1.58.41
